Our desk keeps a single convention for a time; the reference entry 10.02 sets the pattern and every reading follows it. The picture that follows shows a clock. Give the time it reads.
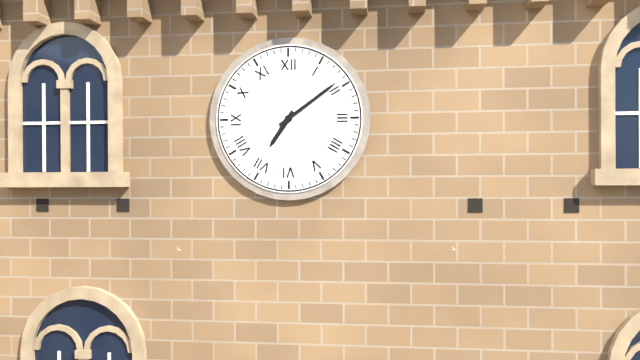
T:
7.09
